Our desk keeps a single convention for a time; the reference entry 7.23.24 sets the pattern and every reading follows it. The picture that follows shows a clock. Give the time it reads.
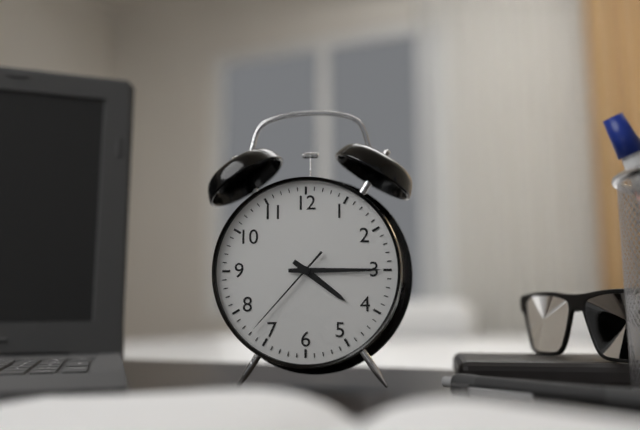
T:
4.15.37
